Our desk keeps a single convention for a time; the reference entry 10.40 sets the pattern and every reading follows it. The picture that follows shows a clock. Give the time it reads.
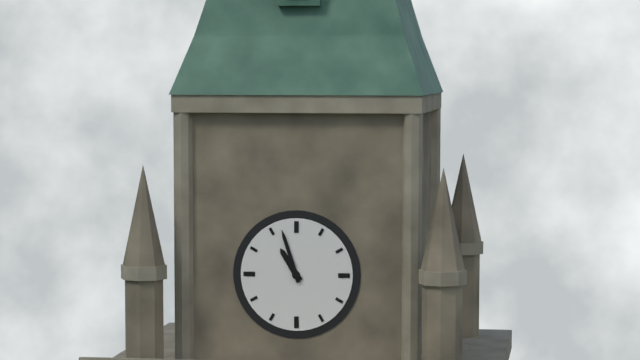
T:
10.57
